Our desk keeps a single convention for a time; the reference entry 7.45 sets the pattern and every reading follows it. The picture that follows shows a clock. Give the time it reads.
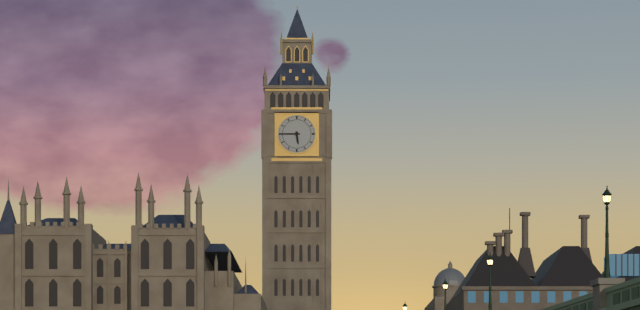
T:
5.45
